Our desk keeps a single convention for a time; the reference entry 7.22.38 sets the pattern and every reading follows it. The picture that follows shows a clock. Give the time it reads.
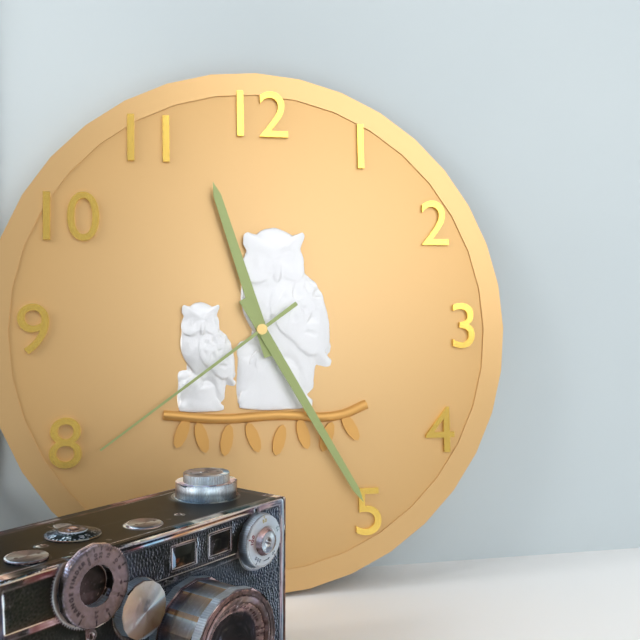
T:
11.25.39
